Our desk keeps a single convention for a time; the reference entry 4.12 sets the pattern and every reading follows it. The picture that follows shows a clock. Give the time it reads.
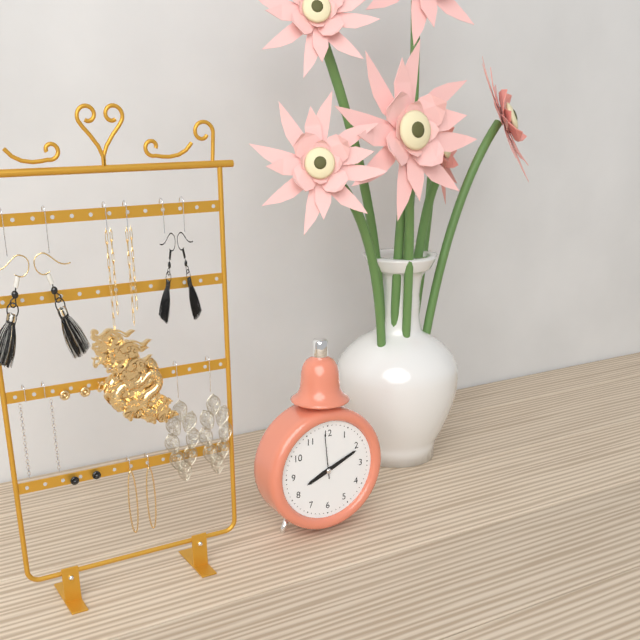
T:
8.11
